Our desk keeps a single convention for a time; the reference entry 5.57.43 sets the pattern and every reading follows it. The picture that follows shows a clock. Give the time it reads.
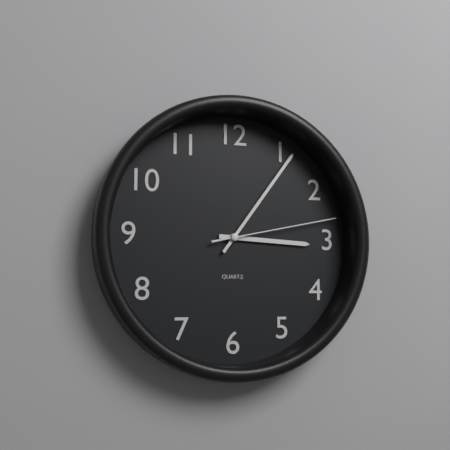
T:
3.06.13
